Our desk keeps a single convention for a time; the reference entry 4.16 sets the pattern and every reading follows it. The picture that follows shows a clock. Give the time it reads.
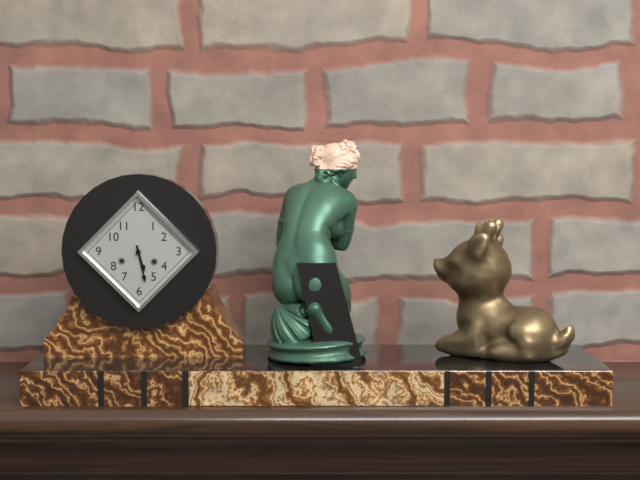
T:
5.28
